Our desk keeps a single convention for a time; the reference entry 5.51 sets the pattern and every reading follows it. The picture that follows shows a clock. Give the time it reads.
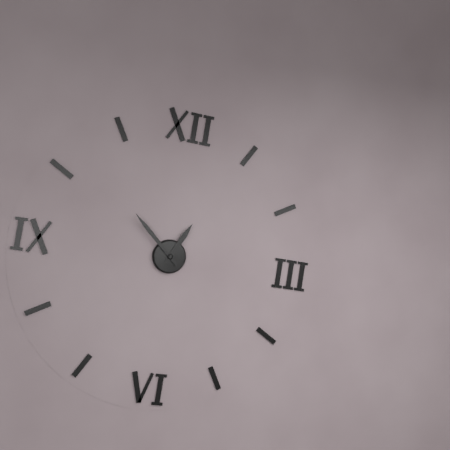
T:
12.52
